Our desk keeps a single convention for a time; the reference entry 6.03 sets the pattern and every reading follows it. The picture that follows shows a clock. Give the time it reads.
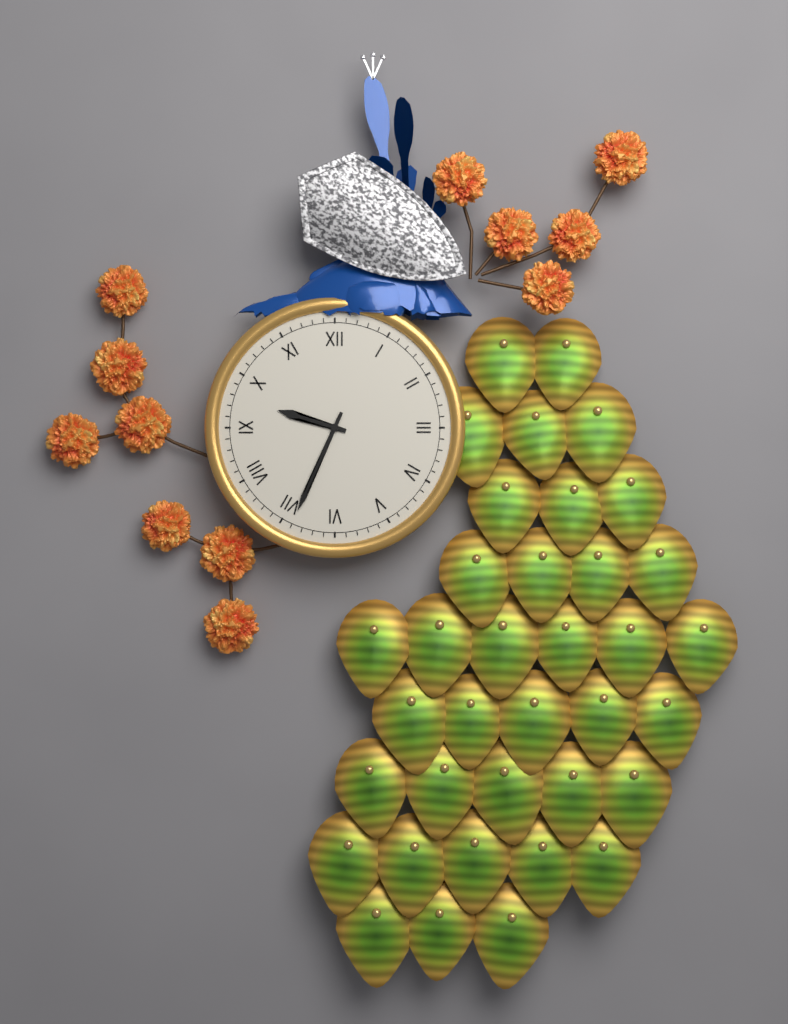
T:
9.34
